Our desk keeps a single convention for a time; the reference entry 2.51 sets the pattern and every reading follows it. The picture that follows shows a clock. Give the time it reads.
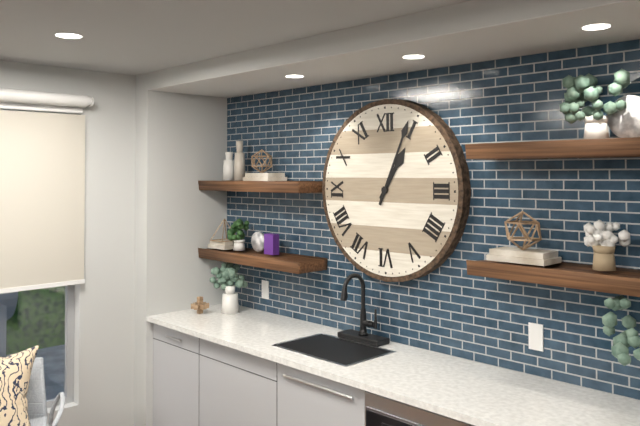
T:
1.04
